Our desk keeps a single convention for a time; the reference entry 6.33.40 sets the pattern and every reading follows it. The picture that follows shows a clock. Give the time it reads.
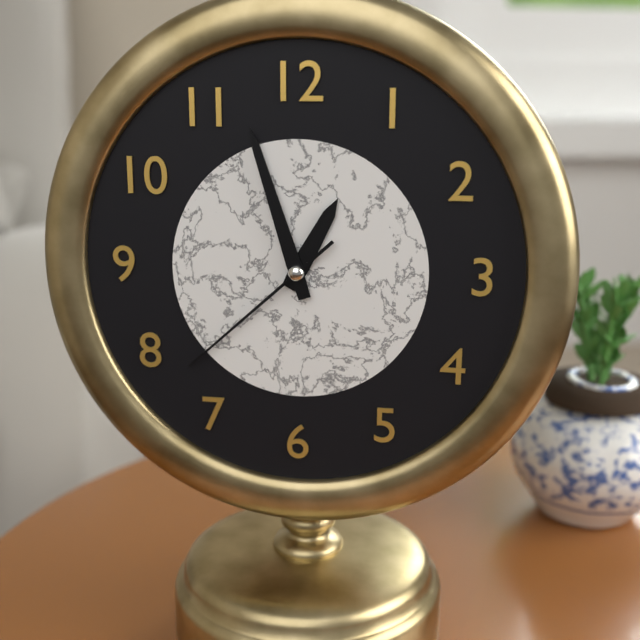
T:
12.57.38
